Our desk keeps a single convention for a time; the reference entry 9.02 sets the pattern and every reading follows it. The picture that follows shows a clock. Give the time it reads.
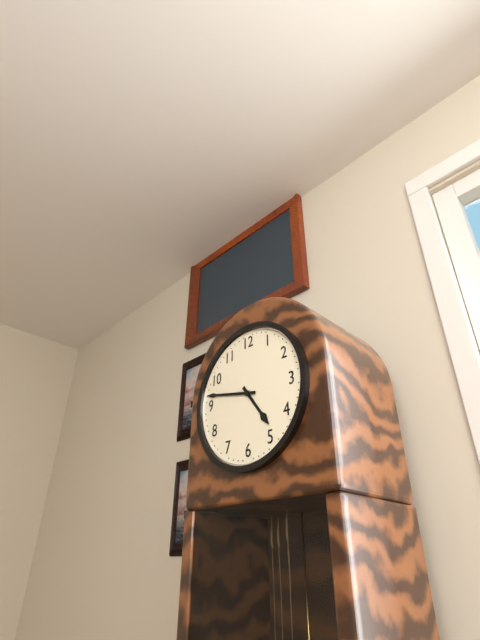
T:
4.47
